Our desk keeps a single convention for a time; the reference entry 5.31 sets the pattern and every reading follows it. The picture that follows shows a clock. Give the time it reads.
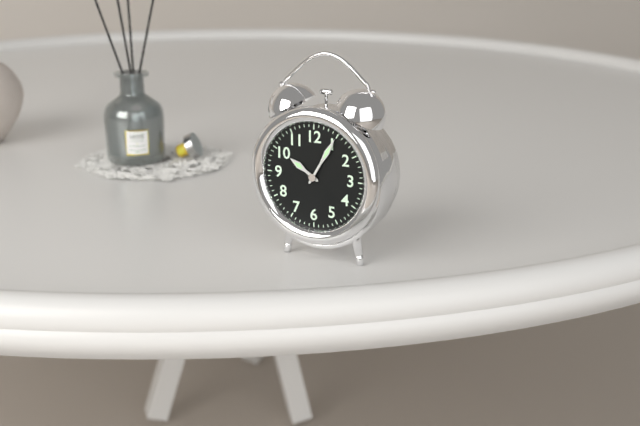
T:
10.05
